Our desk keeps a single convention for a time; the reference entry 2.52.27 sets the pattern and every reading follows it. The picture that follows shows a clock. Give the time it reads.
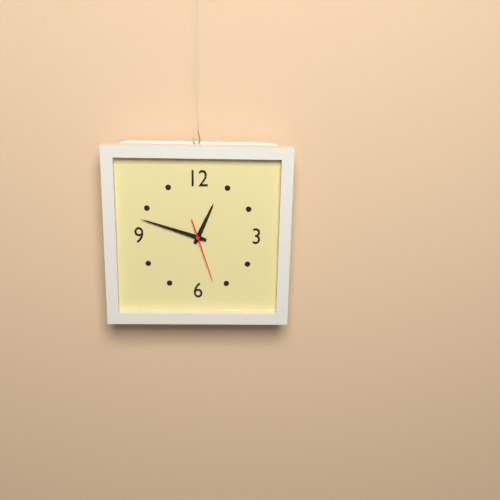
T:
12.48.27
